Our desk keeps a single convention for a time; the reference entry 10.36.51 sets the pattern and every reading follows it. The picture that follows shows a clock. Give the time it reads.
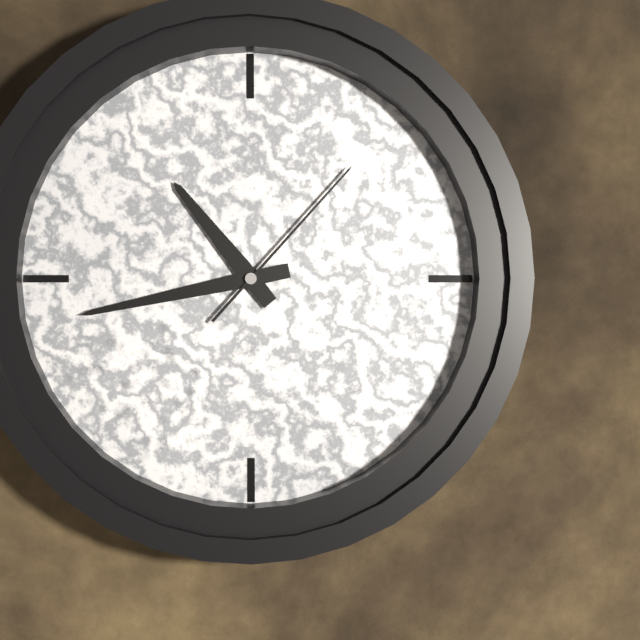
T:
10.43.07
